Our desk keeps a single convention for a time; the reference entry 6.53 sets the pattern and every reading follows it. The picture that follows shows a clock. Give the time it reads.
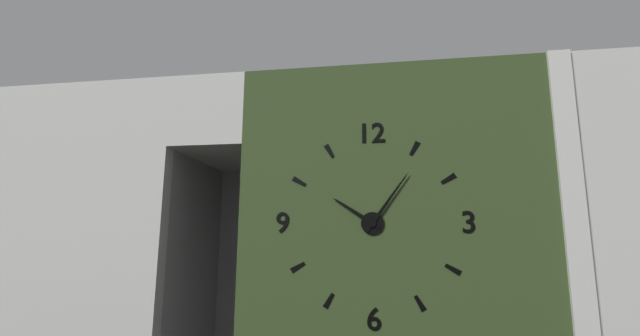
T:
10.06
